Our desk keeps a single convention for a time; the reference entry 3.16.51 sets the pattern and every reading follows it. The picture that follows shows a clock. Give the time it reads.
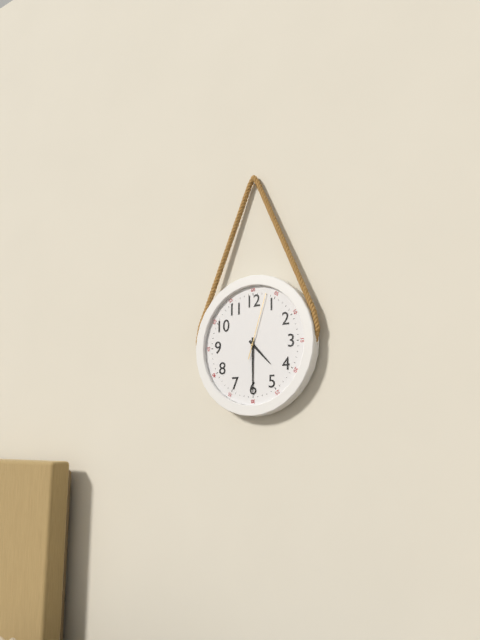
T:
4.30.03
